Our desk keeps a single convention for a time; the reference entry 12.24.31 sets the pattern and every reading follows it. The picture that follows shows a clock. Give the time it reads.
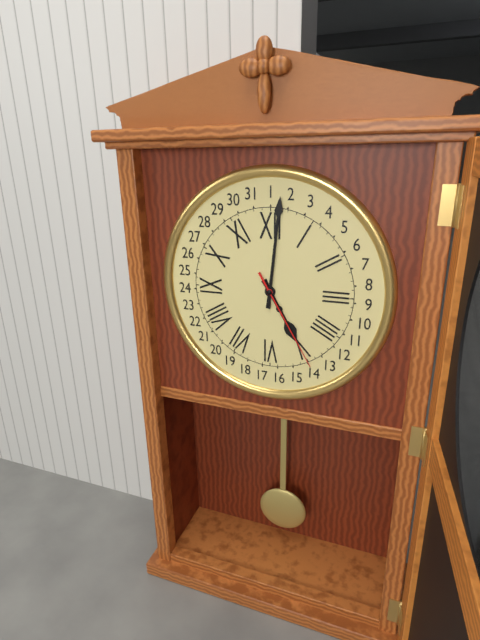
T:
5.01.25
